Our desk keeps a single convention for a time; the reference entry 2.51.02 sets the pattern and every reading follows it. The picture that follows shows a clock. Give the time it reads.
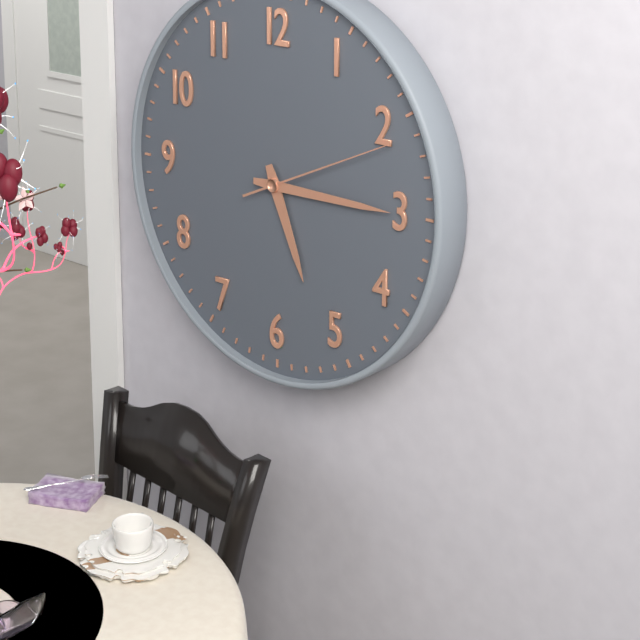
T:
5.15.11
